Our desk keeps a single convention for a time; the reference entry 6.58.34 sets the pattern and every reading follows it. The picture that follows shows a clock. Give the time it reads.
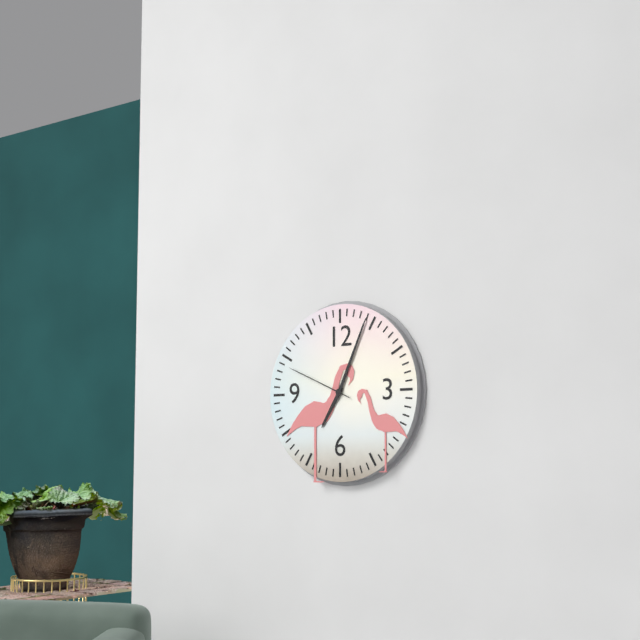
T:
7.04.49
